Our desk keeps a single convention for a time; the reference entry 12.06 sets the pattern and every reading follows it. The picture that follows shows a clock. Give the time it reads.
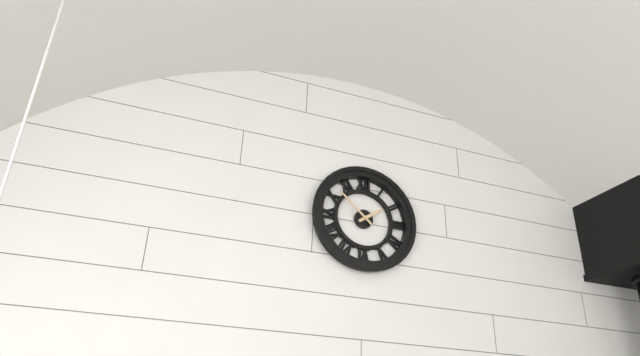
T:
1.52
